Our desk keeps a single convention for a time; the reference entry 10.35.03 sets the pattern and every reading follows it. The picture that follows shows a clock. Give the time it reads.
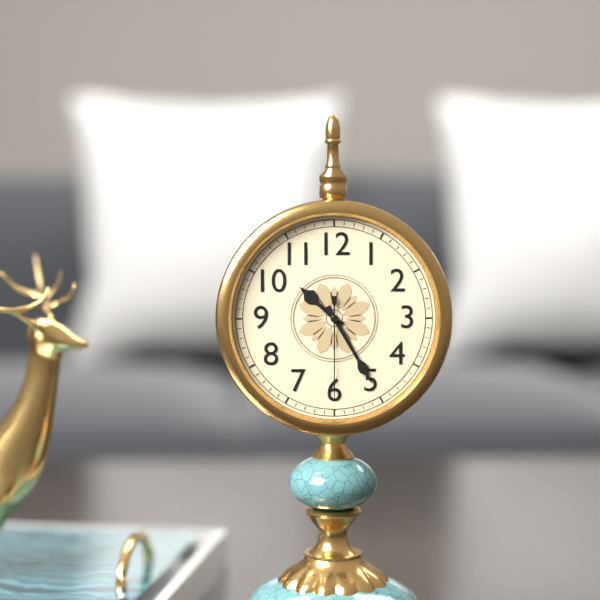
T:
10.25.30
